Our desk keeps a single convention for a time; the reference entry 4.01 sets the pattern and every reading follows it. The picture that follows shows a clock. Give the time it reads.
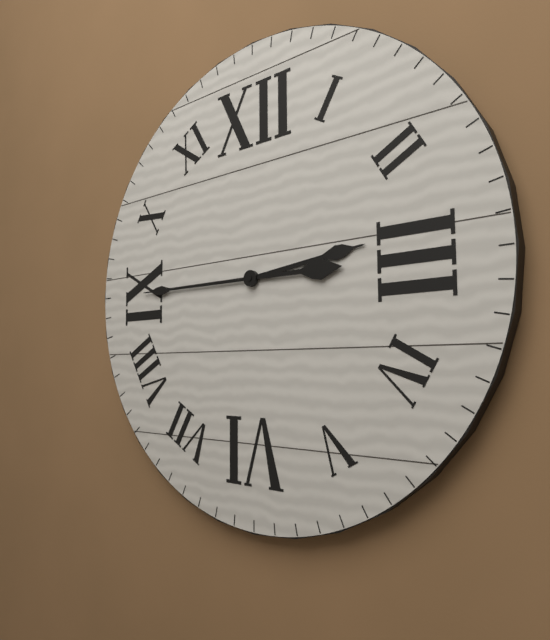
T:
2.45
